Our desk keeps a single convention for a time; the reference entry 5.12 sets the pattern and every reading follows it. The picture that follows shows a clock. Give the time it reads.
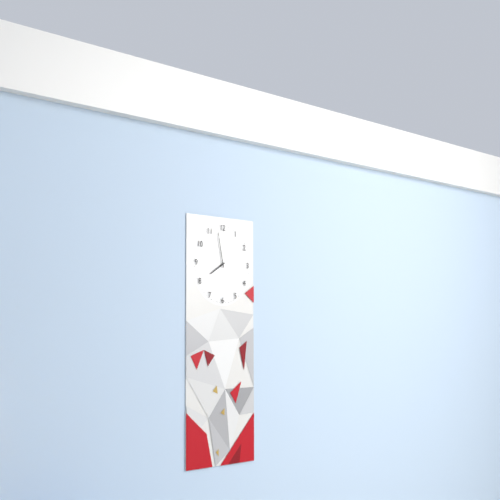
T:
7.58
